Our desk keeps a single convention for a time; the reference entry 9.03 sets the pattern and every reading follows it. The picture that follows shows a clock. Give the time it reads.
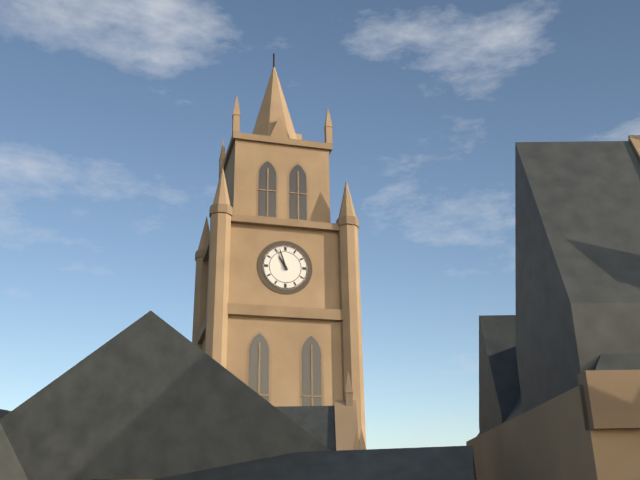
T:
10.57
